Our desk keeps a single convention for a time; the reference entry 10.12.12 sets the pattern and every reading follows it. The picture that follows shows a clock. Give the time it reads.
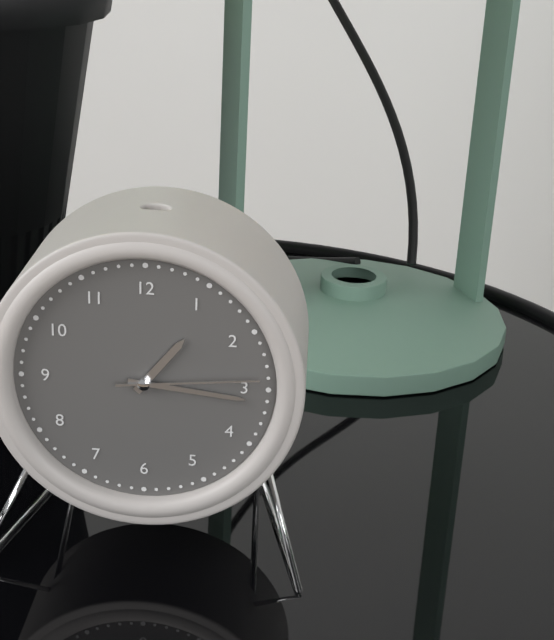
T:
1.16.14
